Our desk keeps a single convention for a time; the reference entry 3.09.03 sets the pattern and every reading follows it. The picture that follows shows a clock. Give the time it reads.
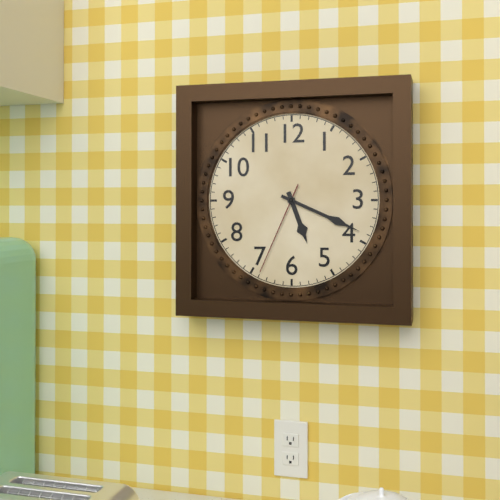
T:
5.19.34
